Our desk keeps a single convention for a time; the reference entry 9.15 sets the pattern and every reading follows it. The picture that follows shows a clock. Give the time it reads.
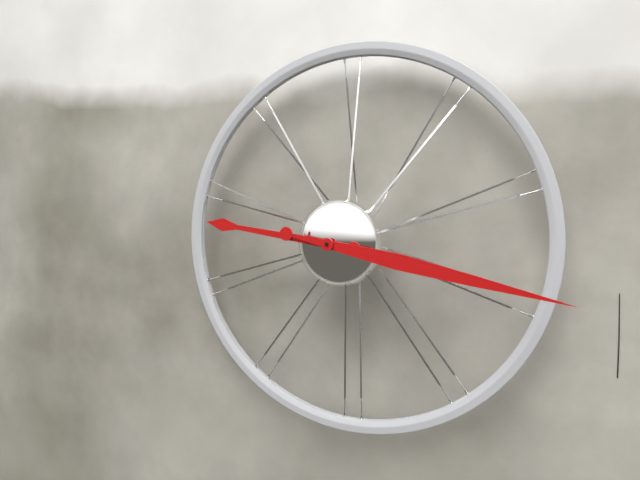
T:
9.17
